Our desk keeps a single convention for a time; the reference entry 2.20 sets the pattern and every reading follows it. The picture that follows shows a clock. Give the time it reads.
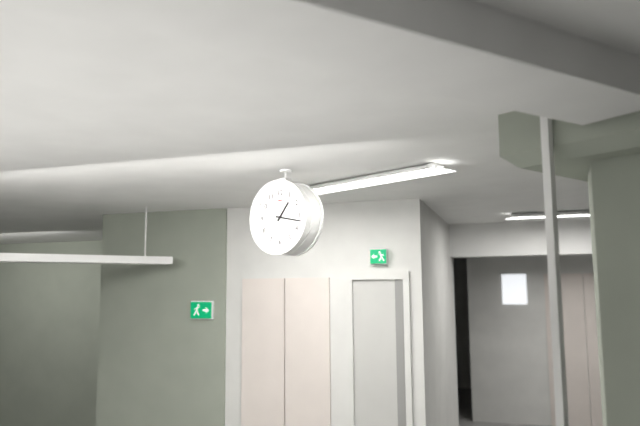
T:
1.17
